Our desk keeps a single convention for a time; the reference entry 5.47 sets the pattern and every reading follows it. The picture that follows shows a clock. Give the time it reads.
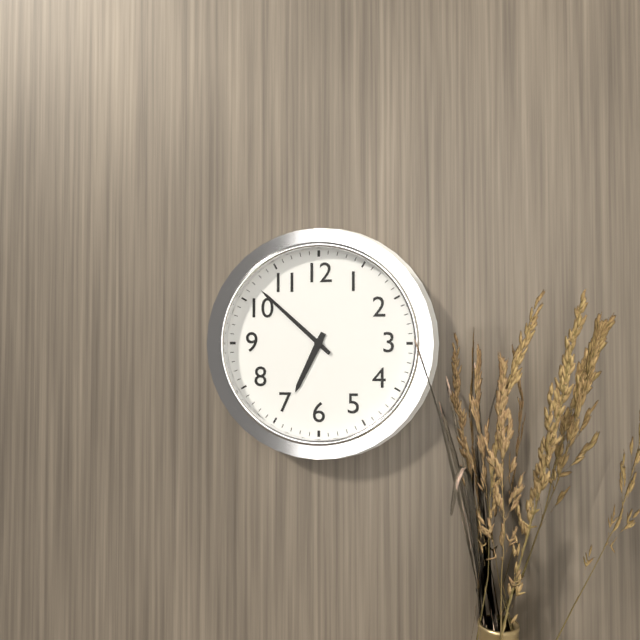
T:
6.52
